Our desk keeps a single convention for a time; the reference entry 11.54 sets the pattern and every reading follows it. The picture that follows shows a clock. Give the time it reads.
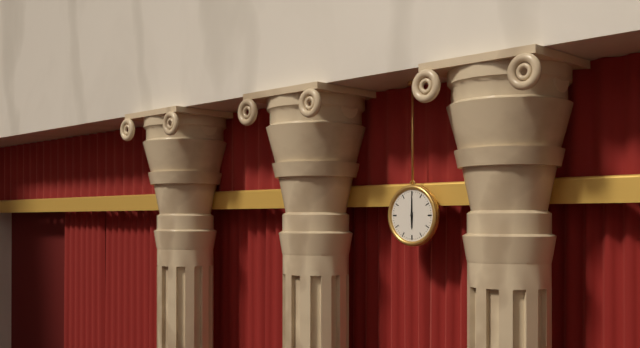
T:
6.00
